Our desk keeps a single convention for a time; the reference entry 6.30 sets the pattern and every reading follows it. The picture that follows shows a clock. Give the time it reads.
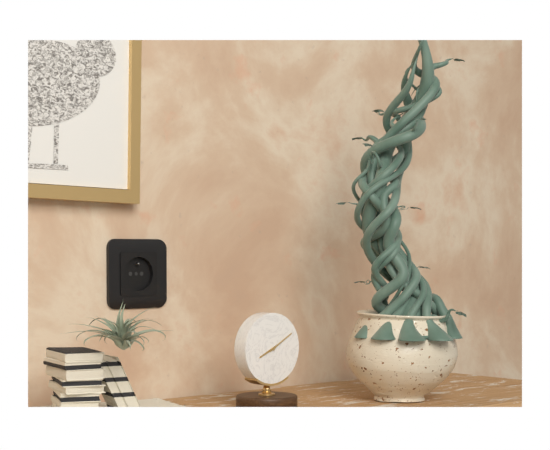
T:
8.10
